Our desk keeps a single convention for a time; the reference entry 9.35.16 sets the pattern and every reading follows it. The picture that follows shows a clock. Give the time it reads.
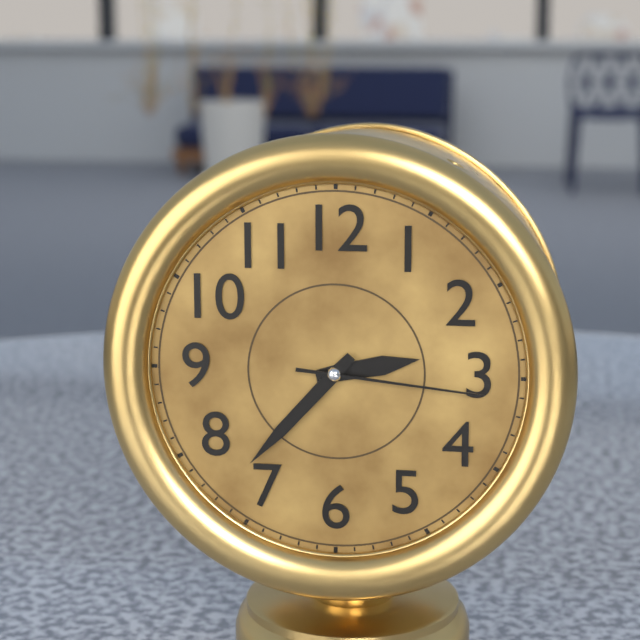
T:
2.37.16
